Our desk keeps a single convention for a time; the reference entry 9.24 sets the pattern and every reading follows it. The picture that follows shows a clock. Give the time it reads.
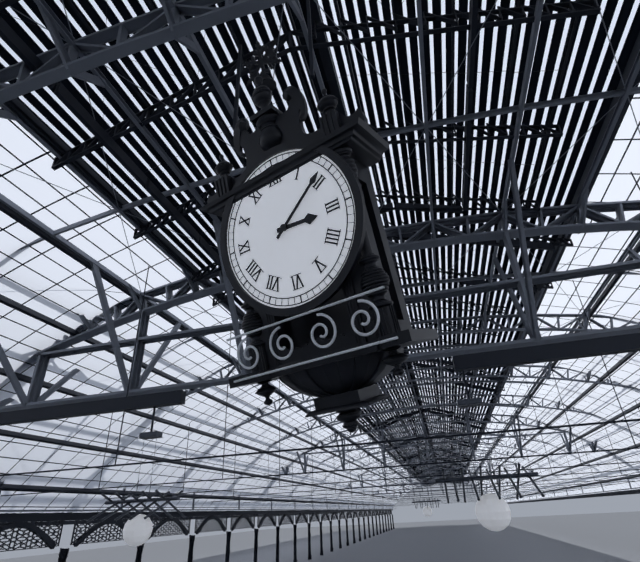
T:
3.09
